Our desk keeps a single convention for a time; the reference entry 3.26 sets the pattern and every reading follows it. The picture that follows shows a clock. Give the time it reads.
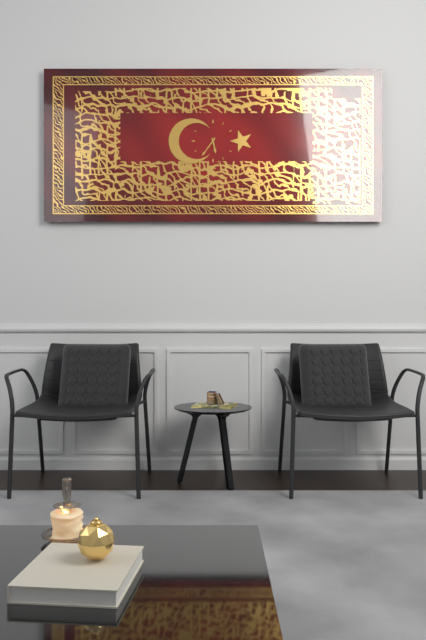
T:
5.36
